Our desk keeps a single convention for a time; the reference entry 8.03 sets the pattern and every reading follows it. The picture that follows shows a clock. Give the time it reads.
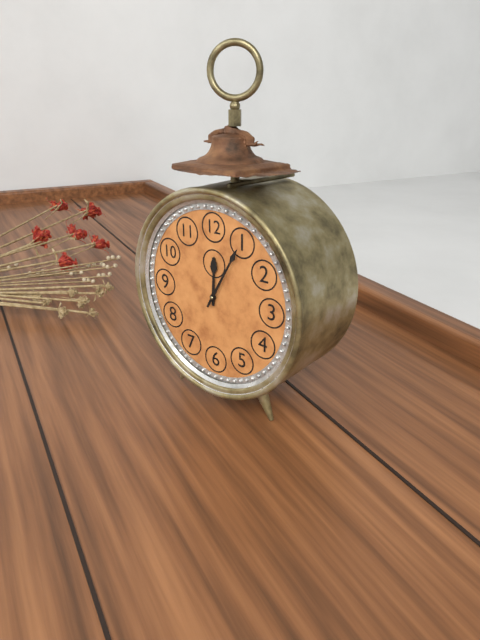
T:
12.05
